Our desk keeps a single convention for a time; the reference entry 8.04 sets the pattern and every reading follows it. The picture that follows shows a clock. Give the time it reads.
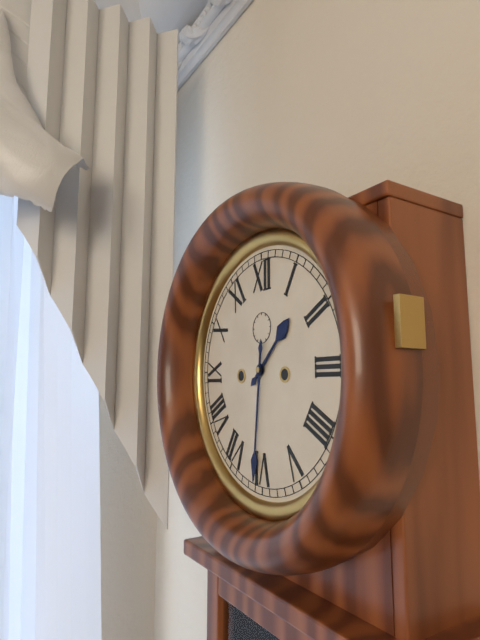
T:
1.31
